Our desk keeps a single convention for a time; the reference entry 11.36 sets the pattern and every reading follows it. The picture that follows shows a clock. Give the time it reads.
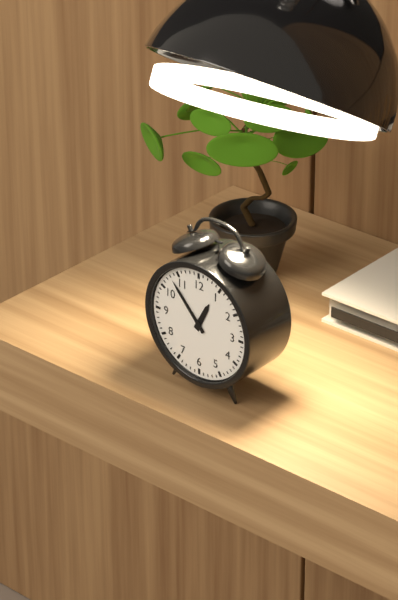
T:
12.53
